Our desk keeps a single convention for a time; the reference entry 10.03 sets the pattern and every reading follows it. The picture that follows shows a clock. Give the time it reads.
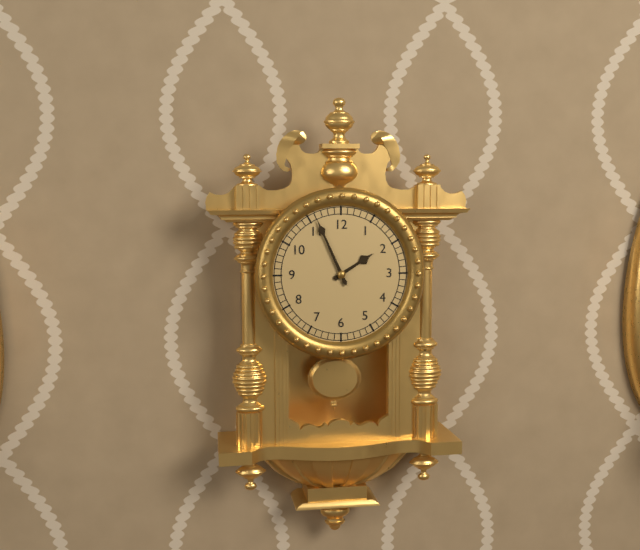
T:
1.56
